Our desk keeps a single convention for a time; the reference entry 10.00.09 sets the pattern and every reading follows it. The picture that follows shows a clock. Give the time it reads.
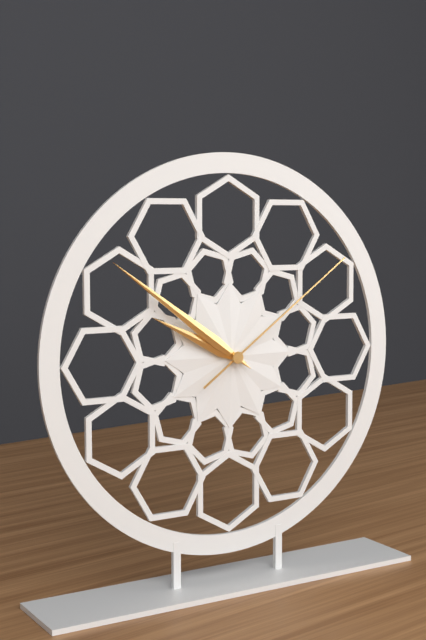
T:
9.51.09
